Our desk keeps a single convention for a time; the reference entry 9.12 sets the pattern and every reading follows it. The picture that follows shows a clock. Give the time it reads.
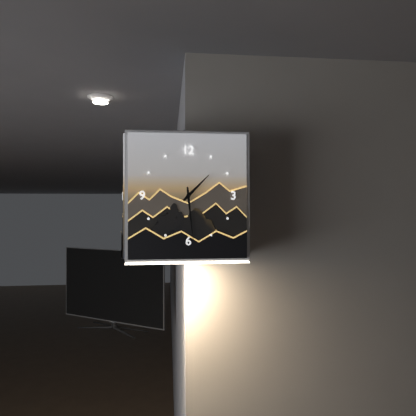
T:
1.29
